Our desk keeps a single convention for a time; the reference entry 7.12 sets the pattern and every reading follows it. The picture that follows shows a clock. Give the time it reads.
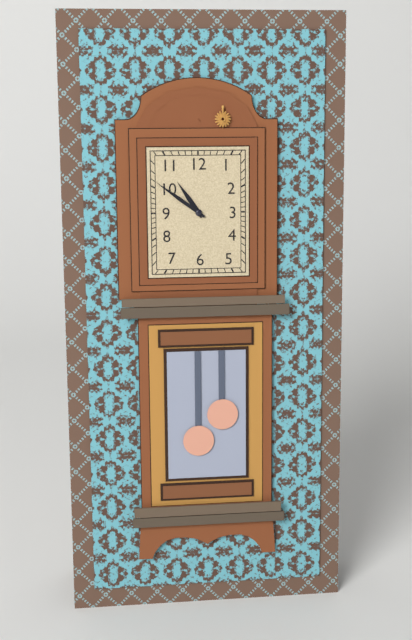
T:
10.51
